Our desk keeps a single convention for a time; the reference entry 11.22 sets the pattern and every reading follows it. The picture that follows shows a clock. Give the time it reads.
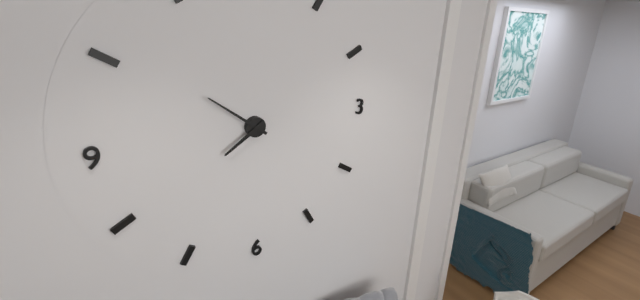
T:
7.51
